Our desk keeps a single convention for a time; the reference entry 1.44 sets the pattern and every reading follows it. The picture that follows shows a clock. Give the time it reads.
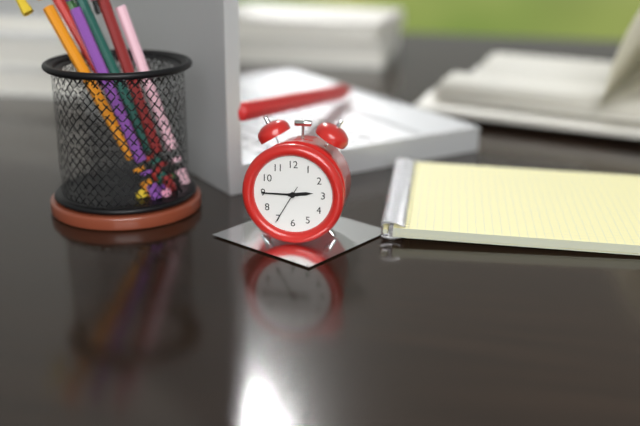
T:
2.45
